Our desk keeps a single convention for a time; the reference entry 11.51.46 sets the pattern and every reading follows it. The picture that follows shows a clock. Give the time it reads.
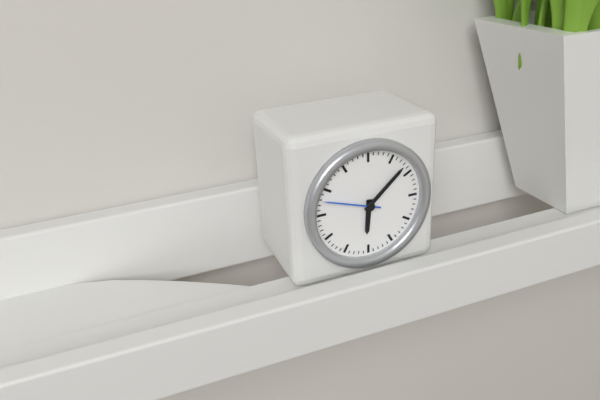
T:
6.08.48
